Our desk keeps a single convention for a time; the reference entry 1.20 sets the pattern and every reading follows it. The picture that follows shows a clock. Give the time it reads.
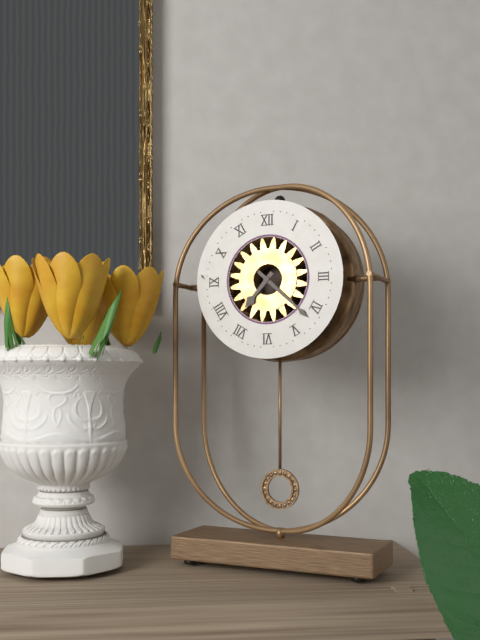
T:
7.22
